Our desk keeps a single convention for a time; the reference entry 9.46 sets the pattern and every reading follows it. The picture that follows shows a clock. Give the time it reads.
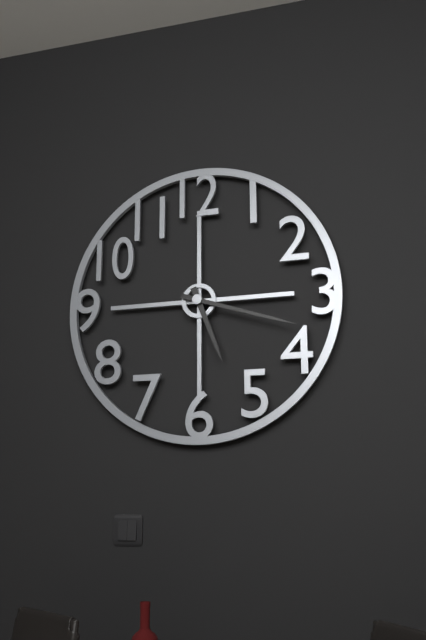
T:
5.18
